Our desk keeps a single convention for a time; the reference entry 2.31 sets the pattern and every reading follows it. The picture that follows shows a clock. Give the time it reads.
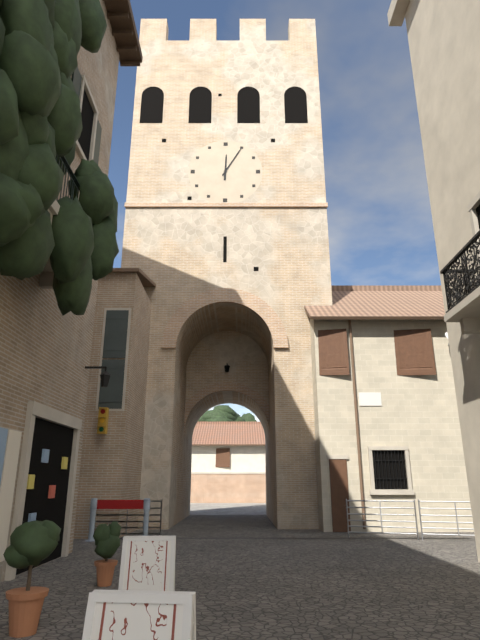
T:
12.05
